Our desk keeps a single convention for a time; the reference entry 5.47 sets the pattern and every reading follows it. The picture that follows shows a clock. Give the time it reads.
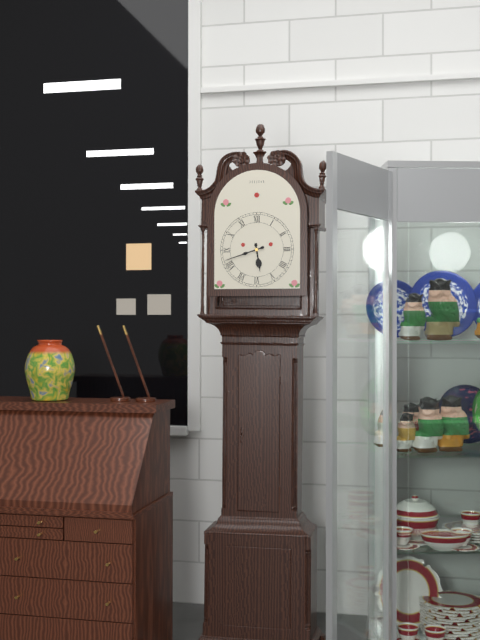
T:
5.42
